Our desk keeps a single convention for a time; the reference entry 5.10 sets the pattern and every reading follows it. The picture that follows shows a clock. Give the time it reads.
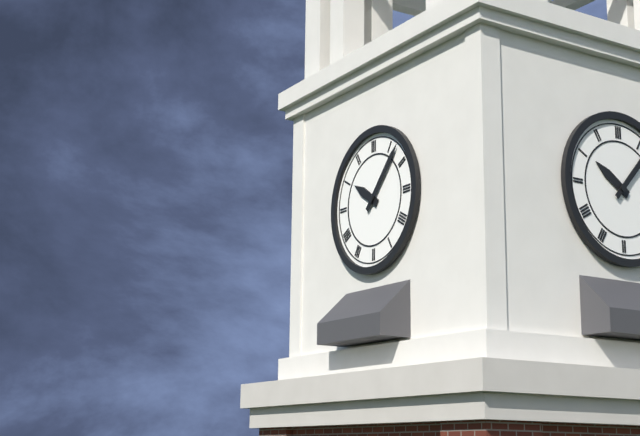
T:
10.07
